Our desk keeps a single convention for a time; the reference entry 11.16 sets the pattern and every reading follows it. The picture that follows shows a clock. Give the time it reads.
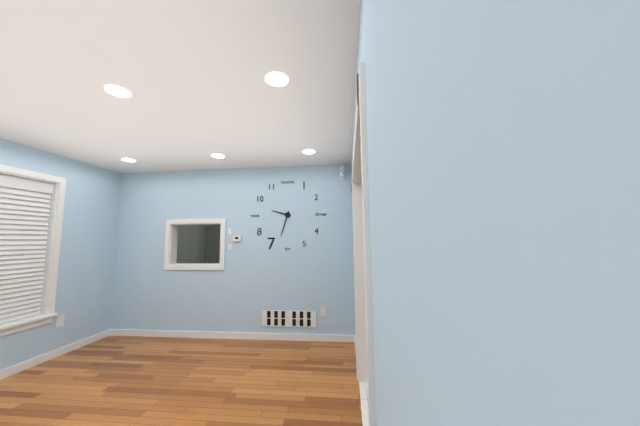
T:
9.33
